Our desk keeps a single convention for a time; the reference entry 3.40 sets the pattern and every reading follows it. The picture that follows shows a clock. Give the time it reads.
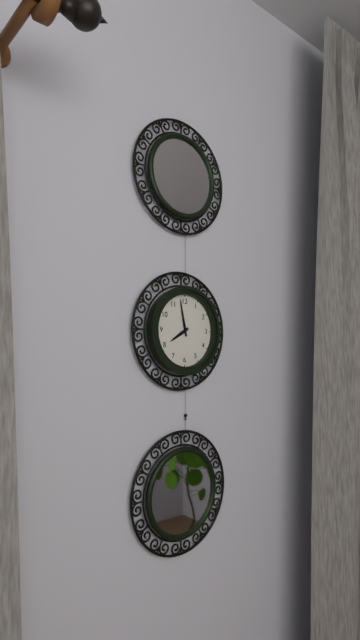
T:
7.58
